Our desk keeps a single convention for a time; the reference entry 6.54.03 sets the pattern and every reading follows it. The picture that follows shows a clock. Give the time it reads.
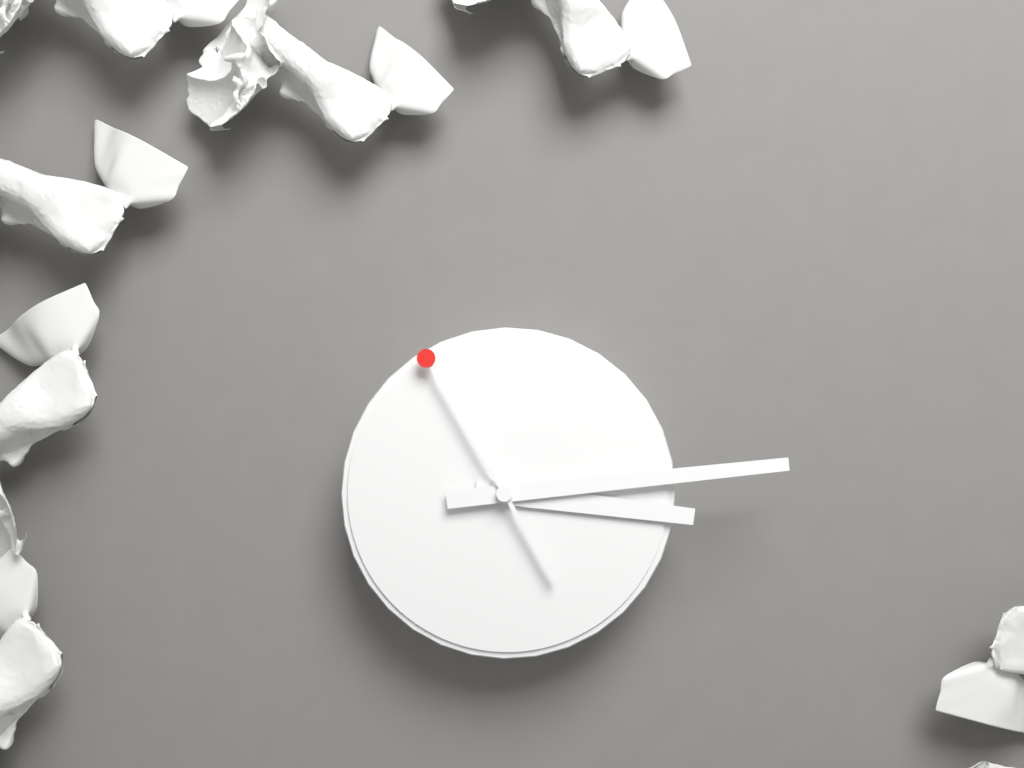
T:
3.14.55
